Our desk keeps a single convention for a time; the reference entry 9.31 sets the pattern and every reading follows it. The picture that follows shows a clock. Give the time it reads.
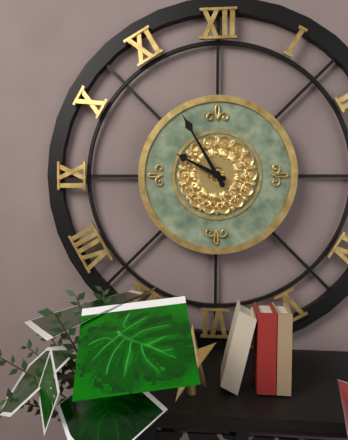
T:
9.55
